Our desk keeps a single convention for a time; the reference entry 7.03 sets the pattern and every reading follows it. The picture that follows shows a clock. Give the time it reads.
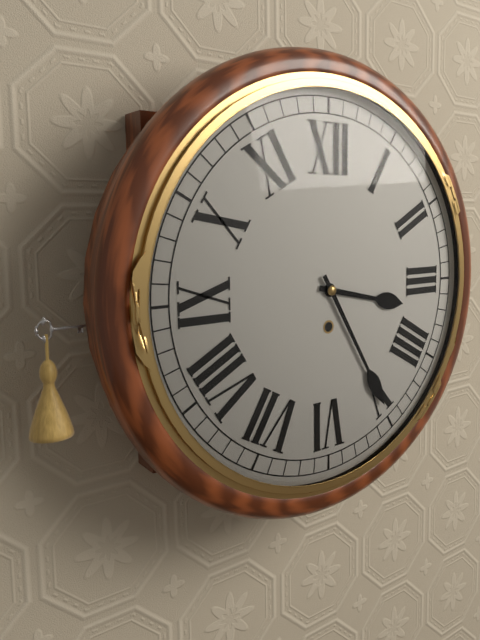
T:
3.25
